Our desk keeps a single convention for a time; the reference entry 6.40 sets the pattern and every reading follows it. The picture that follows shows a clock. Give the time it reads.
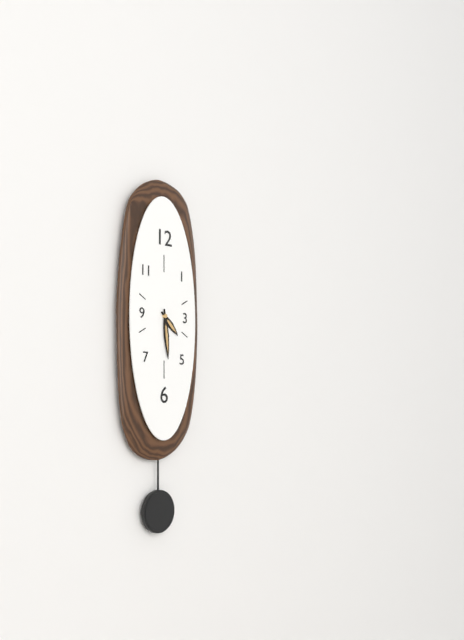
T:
4.29
